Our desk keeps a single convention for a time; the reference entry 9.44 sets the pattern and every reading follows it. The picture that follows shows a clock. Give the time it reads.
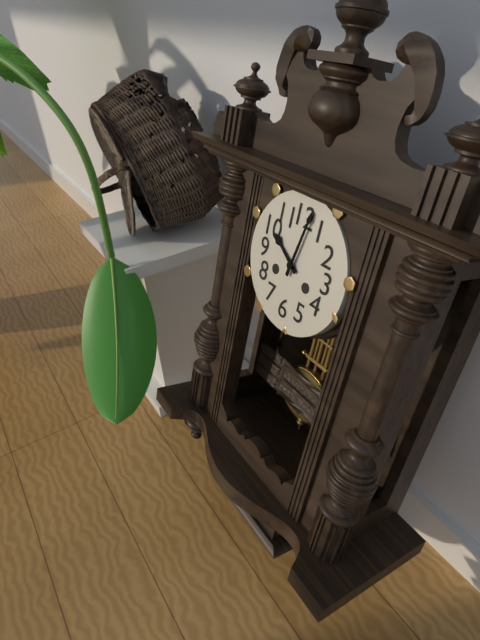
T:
10.02
